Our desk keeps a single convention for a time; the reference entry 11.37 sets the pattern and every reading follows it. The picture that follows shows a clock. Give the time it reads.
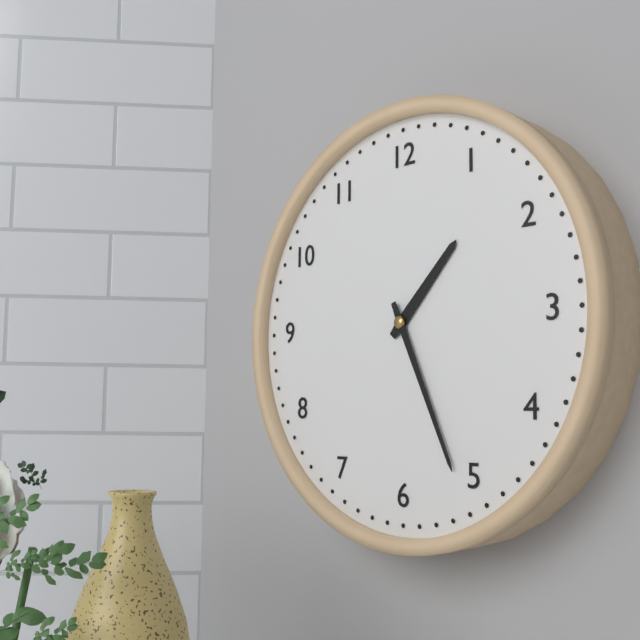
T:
1.26
